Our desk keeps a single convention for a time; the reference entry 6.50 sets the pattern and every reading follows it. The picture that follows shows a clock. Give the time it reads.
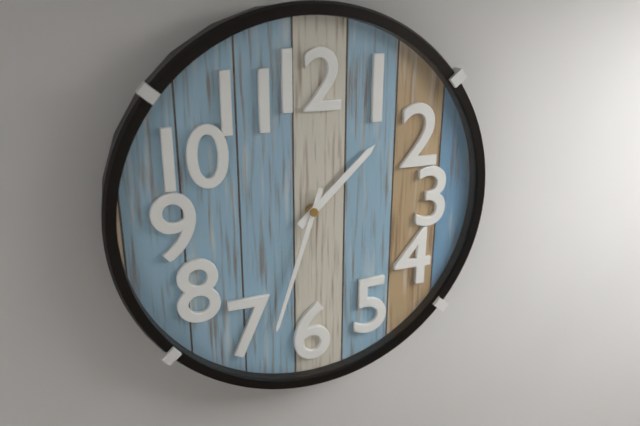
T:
1.33
